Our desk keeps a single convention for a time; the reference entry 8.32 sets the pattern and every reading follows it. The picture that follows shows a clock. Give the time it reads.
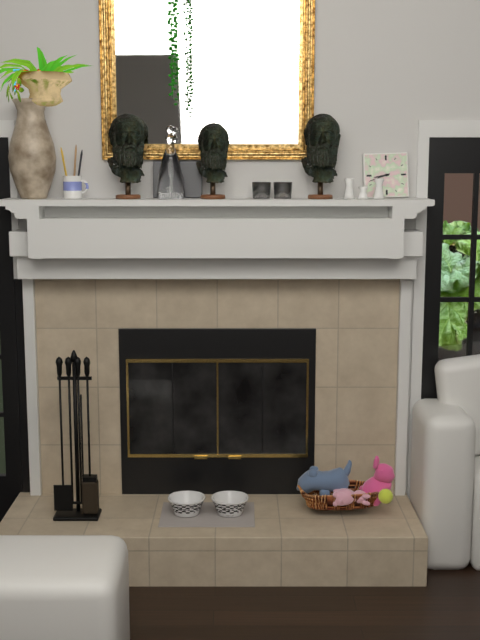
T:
8.42
